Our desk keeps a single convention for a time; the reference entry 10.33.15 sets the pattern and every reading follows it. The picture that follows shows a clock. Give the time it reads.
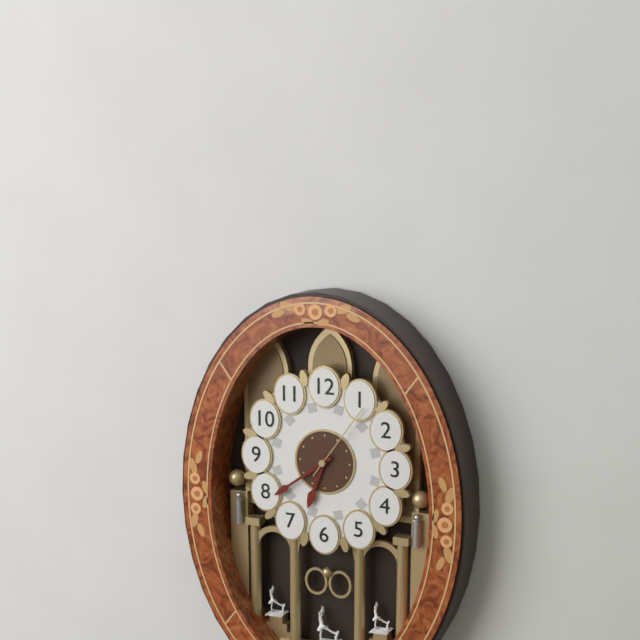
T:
6.39.06
